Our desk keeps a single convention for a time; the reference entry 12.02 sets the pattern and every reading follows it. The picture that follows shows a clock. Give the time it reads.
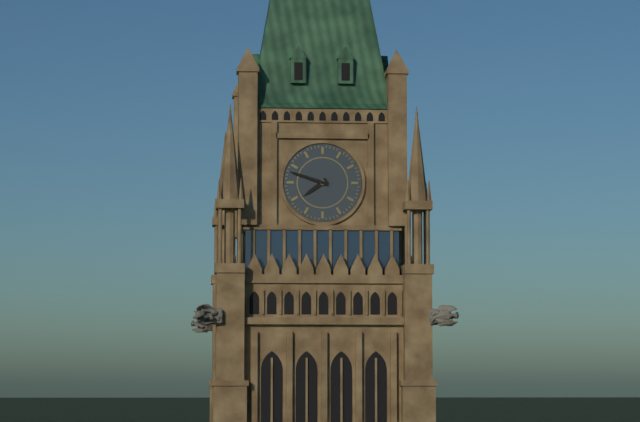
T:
7.48
